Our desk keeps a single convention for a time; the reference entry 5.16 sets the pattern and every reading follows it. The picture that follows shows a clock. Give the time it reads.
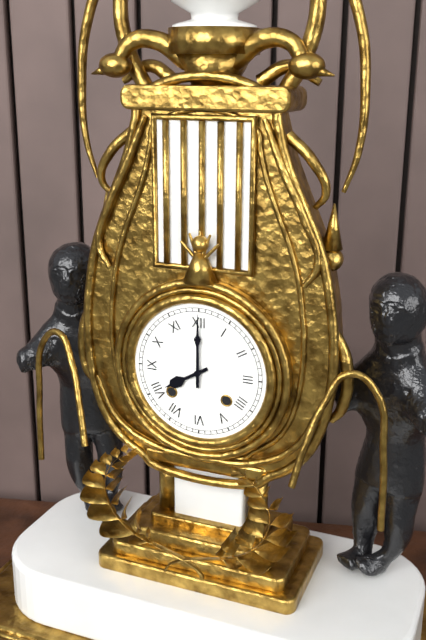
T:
8.00
